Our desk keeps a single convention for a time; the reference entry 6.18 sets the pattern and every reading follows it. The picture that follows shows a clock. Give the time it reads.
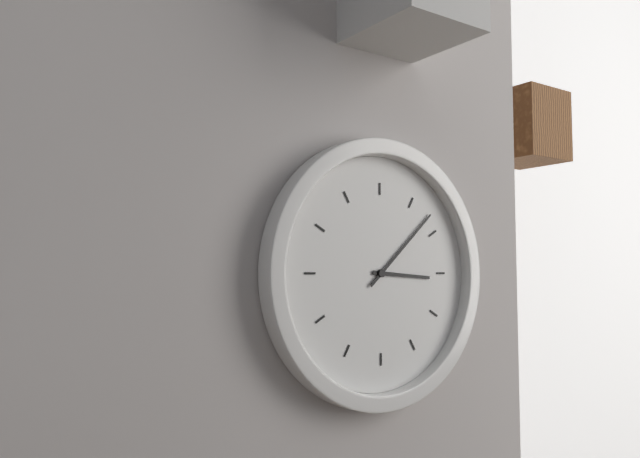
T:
3.08
